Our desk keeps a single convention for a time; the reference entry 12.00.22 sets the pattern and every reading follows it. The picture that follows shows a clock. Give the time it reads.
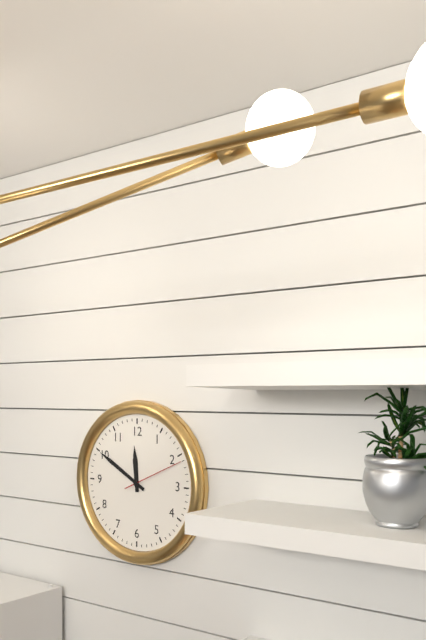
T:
11.50.11
